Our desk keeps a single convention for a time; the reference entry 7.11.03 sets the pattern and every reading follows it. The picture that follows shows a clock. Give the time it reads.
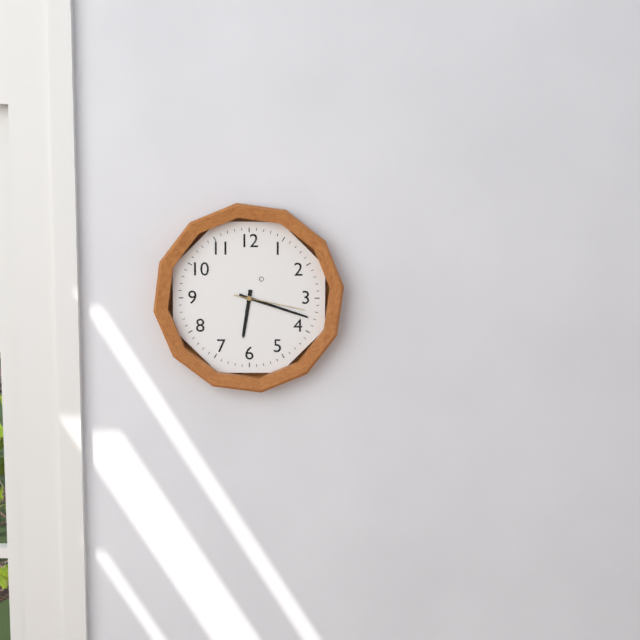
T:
6.18.17
